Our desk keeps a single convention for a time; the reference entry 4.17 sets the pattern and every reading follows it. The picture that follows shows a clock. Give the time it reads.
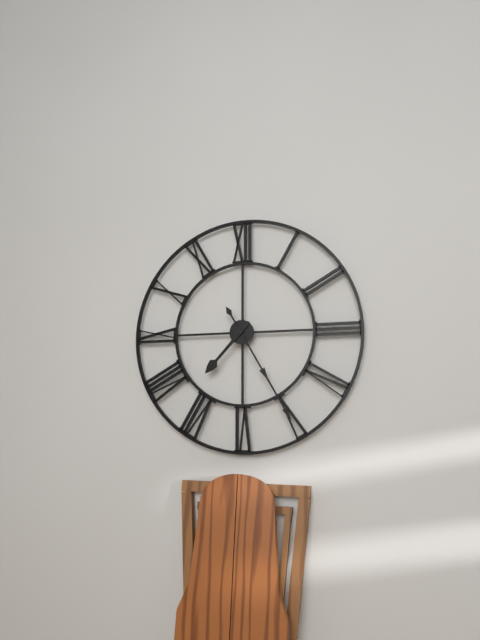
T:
7.25
